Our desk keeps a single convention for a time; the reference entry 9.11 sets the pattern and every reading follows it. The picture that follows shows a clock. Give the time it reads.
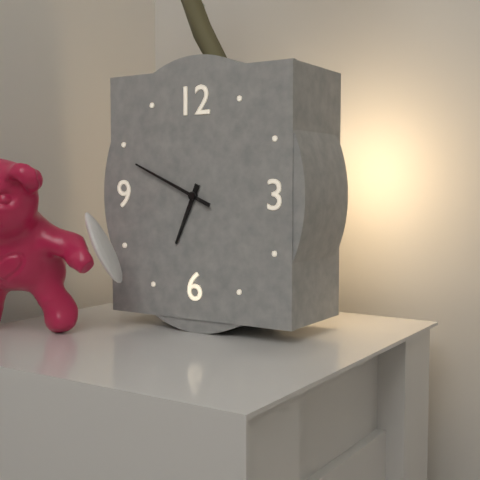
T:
6.49
